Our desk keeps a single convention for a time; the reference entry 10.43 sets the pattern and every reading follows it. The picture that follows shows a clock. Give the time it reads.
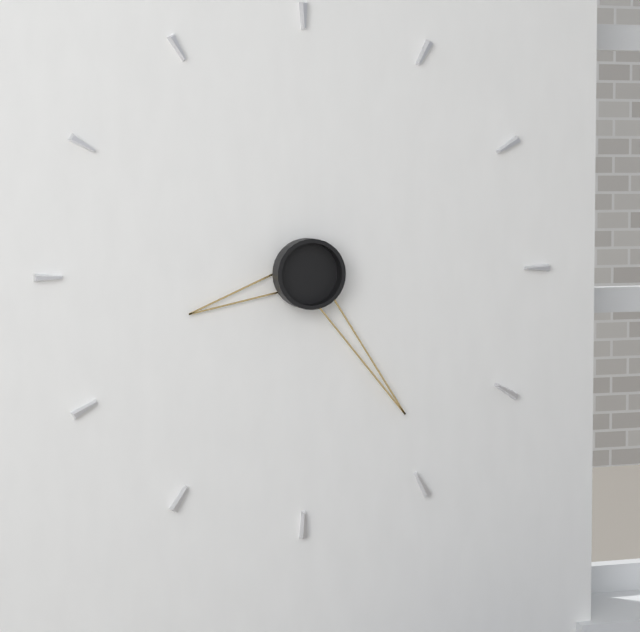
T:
8.24
